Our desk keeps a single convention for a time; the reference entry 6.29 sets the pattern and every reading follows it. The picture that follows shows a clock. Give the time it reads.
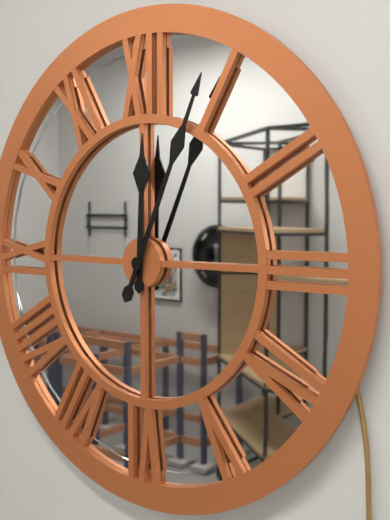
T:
12.04
